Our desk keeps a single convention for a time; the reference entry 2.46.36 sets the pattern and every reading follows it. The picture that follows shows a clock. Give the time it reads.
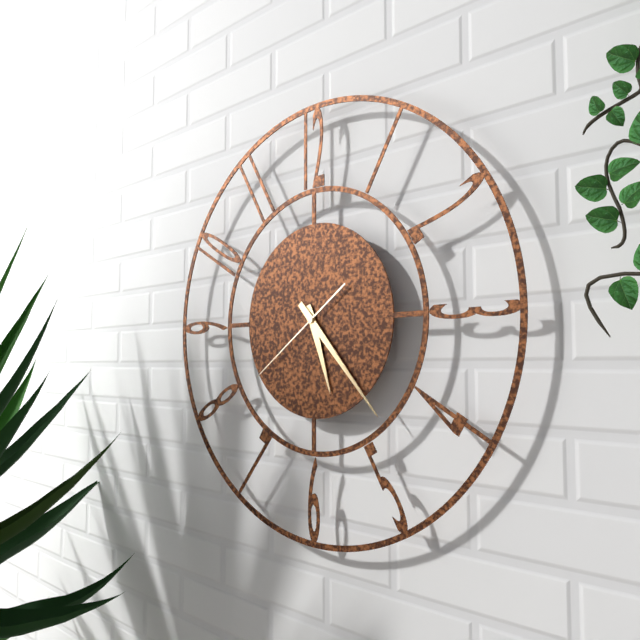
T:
5.23.39
